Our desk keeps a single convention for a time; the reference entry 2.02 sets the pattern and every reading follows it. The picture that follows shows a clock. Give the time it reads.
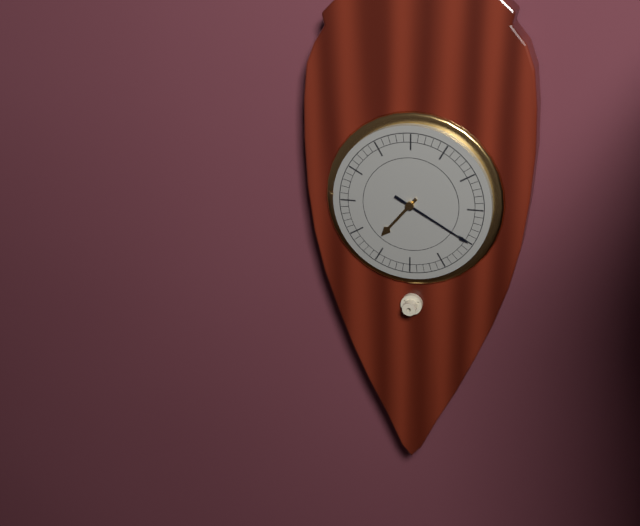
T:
7.20
